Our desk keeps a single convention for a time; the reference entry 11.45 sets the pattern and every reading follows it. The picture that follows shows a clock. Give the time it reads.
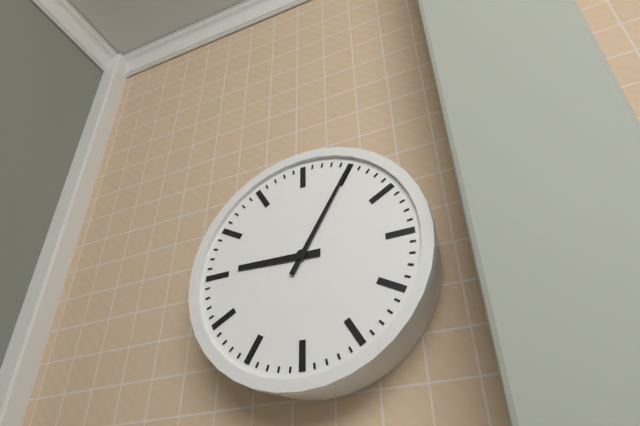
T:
9.05
